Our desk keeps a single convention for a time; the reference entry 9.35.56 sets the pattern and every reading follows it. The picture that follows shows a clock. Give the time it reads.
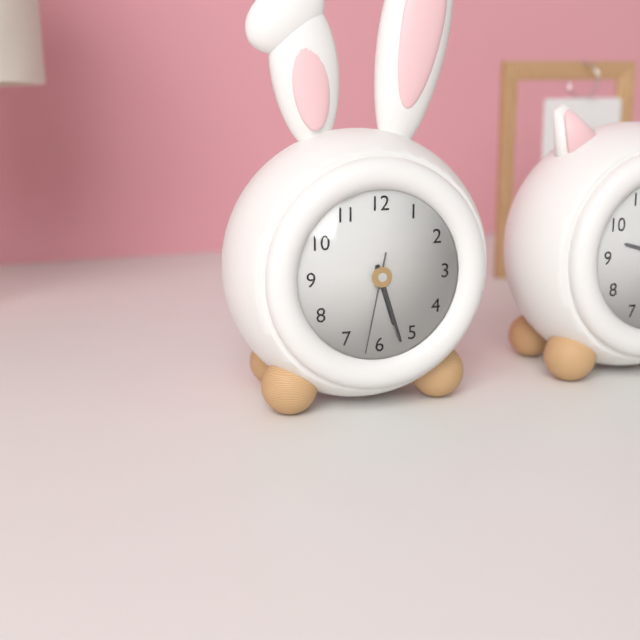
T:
5.27.32
